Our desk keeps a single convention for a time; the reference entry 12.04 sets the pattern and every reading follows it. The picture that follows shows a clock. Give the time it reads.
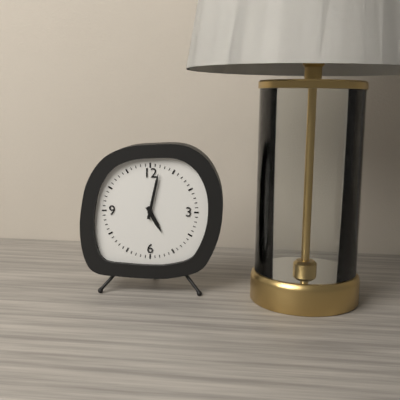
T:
5.02
